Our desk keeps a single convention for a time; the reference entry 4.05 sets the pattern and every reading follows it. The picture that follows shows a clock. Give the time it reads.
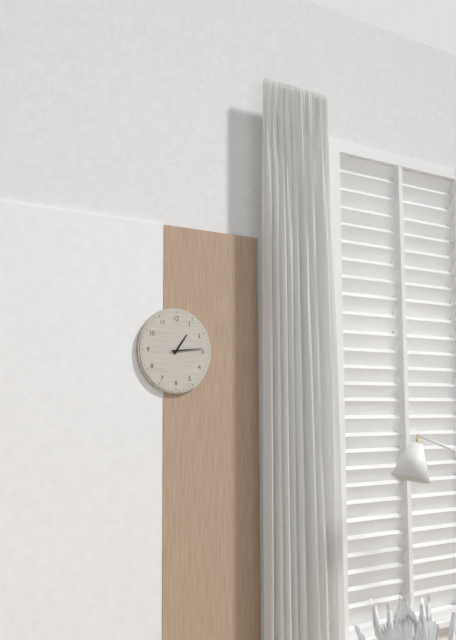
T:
1.14
